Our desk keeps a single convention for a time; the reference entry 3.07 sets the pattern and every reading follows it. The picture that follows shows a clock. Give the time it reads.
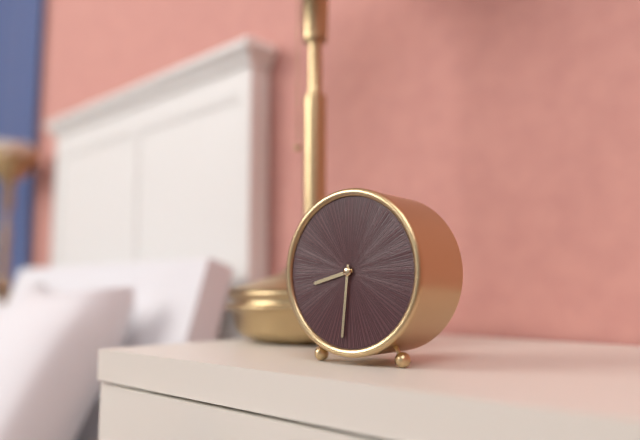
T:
8.31
